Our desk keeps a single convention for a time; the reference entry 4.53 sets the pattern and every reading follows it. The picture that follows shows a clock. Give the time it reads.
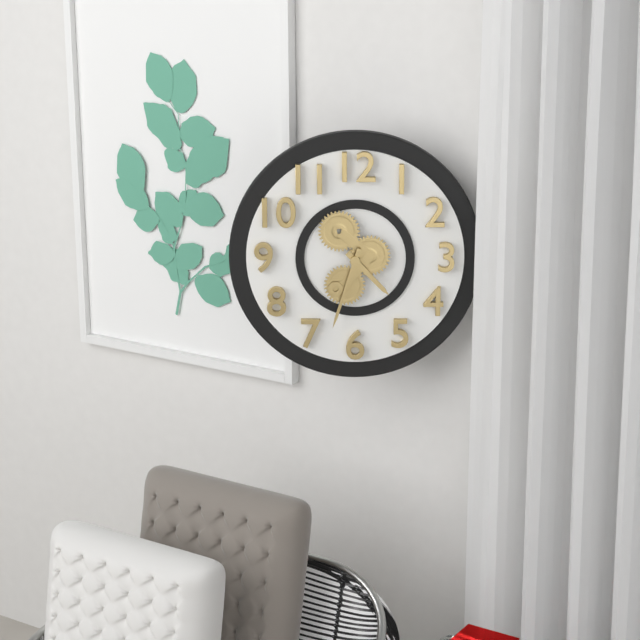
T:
4.33
